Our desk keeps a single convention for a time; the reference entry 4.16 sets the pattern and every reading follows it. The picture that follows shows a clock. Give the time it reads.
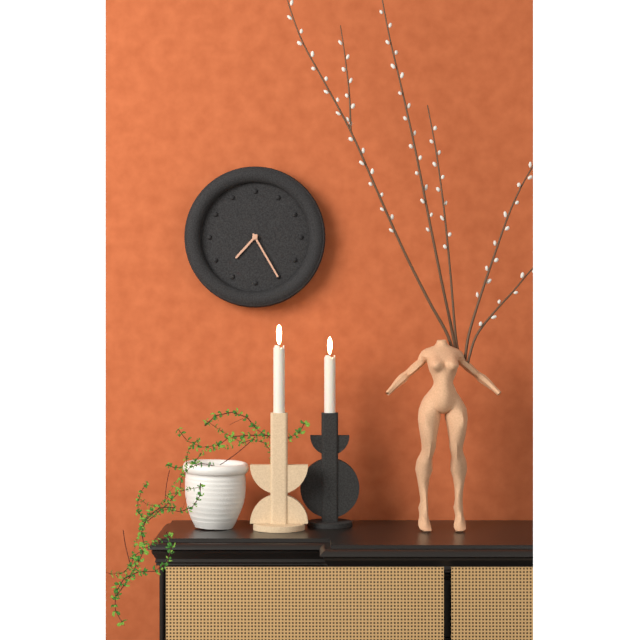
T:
7.25
